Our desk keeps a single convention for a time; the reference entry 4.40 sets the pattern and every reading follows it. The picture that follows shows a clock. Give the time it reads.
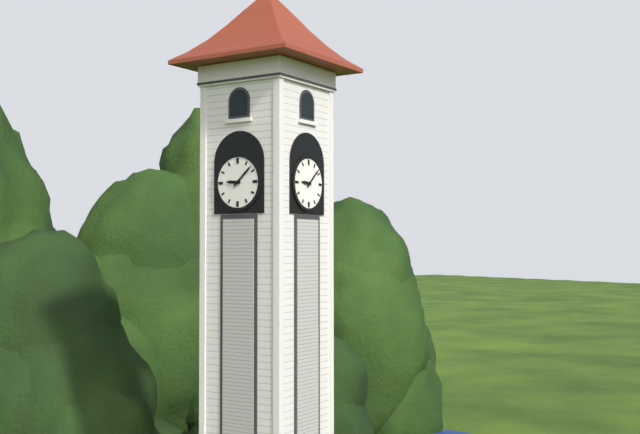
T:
9.08
